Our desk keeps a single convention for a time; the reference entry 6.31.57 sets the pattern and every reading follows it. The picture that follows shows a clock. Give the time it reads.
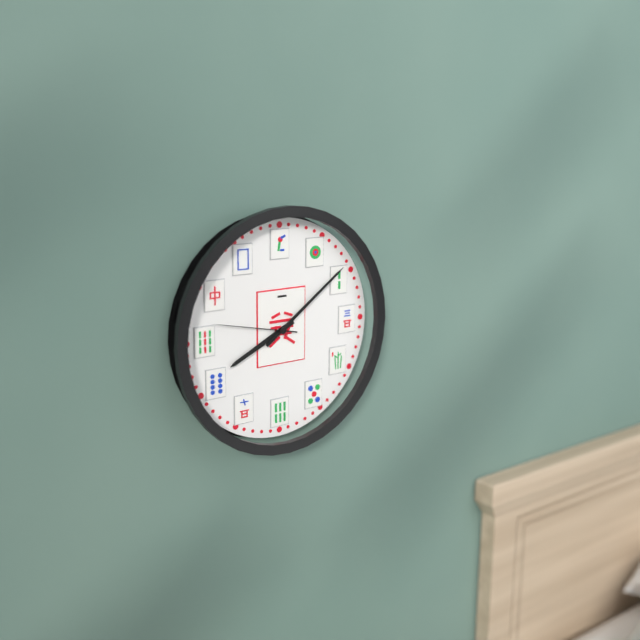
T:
8.09.47
